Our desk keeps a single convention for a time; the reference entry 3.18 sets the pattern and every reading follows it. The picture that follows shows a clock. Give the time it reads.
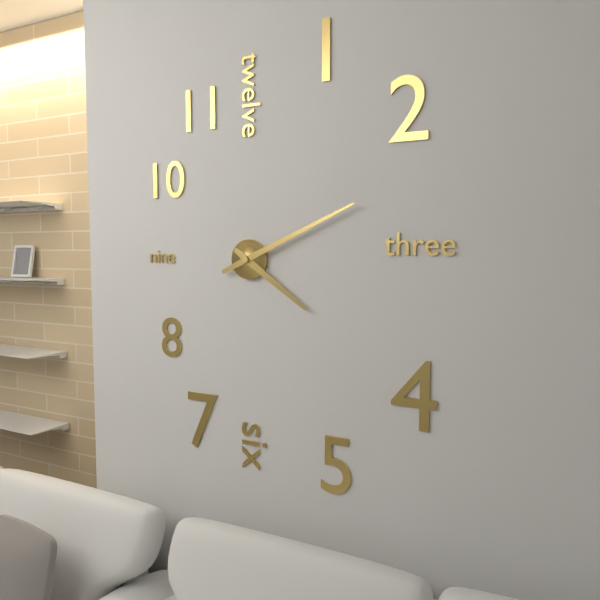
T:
4.11
